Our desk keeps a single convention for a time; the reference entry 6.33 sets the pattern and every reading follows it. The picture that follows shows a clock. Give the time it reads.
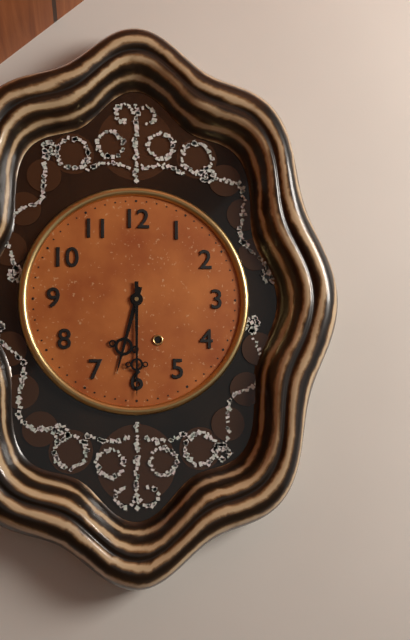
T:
6.30
